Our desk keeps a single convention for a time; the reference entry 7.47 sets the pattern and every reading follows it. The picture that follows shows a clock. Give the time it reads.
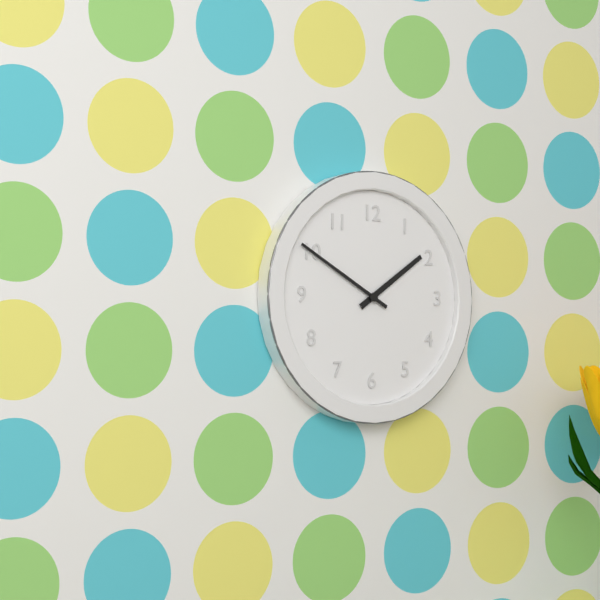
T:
1.50
